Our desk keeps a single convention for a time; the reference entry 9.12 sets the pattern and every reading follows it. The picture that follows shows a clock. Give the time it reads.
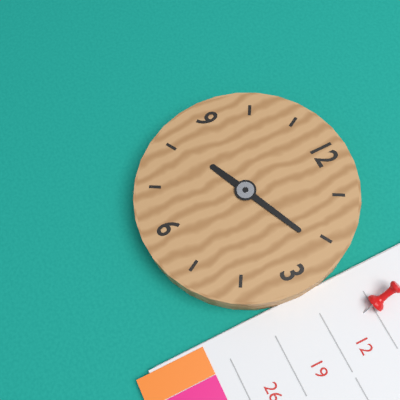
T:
8.11
